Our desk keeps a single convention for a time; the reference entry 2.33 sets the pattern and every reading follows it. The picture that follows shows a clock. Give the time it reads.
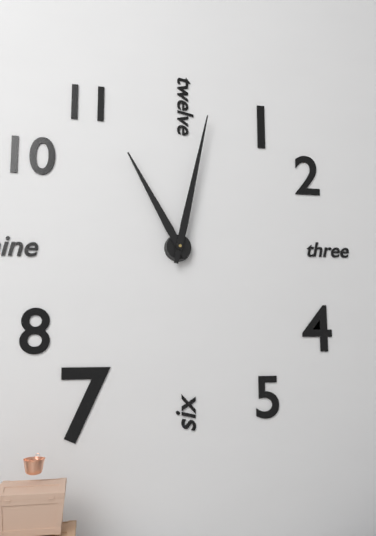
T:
11.02
